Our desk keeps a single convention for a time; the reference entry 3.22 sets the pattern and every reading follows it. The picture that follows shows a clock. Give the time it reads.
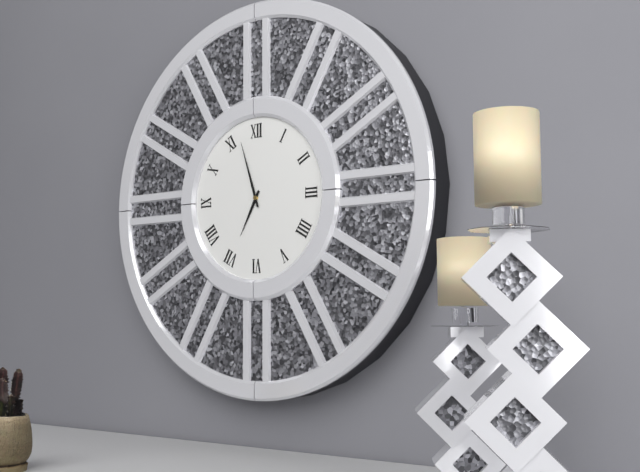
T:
6.57
